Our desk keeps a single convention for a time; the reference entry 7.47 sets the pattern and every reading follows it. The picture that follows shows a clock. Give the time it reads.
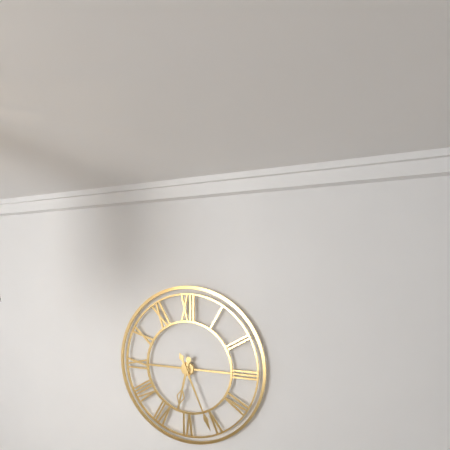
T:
6.26
